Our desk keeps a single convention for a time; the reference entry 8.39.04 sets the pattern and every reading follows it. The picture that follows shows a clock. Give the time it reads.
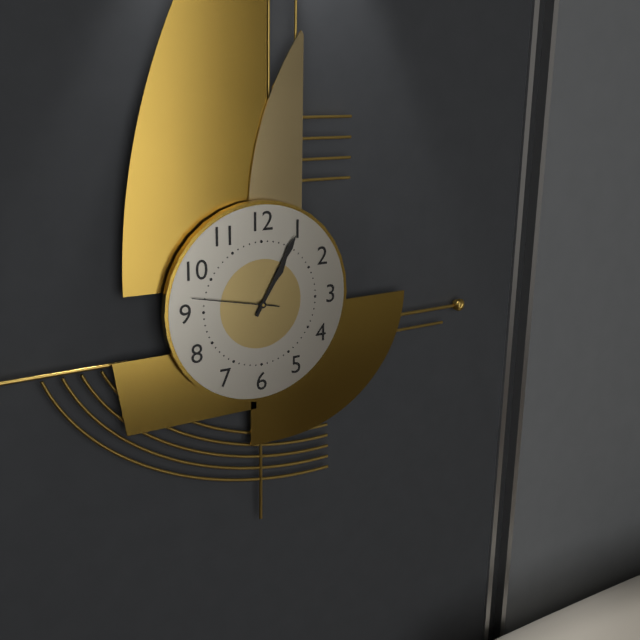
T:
1.05.47
